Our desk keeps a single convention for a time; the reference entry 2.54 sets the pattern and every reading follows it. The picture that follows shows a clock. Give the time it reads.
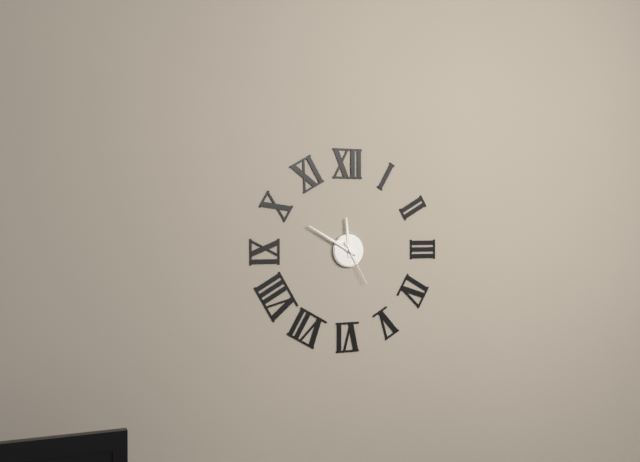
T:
11.50
